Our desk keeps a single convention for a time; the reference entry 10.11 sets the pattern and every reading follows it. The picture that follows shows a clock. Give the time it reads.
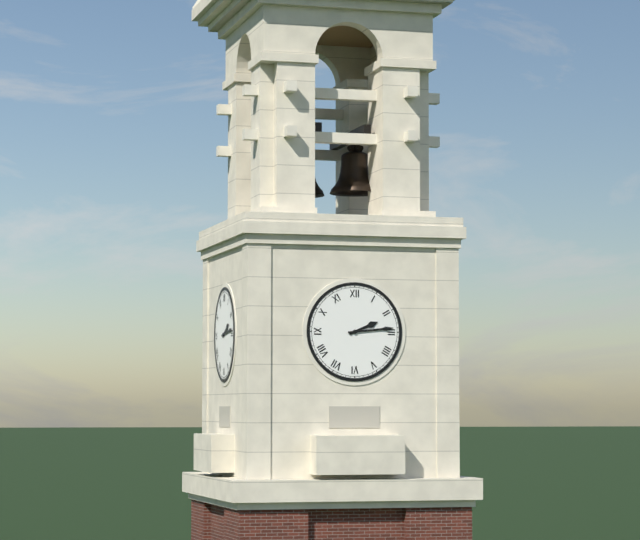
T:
2.14
